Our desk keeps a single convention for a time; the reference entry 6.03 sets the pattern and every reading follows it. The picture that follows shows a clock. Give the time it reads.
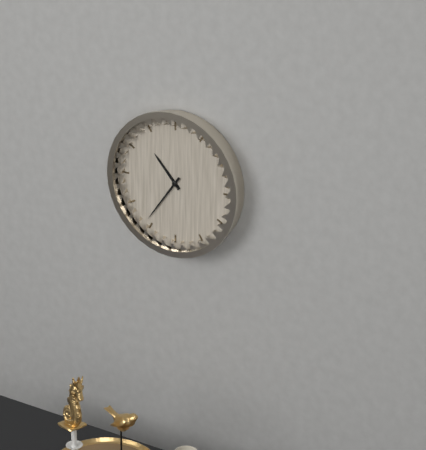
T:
10.36
